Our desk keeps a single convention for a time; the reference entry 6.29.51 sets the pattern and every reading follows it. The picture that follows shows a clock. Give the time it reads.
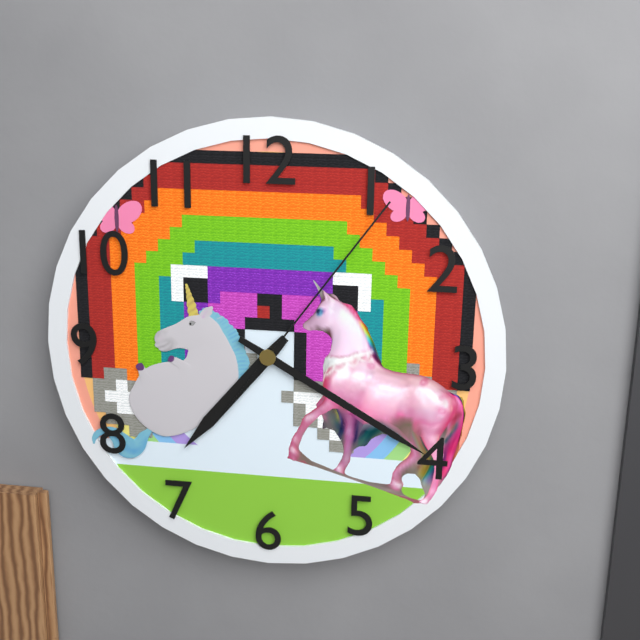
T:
7.20.06
